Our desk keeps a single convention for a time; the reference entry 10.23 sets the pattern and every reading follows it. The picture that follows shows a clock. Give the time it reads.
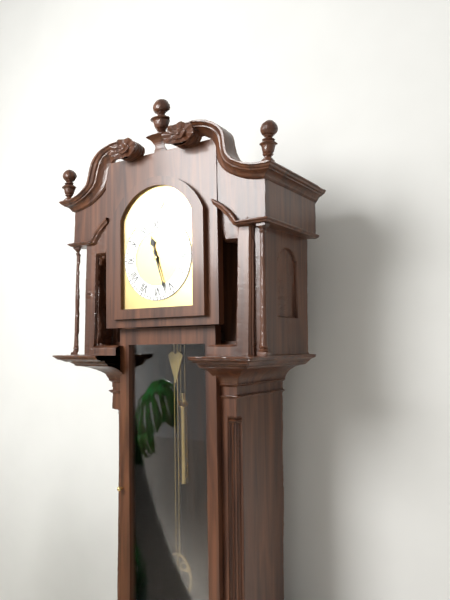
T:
11.27
